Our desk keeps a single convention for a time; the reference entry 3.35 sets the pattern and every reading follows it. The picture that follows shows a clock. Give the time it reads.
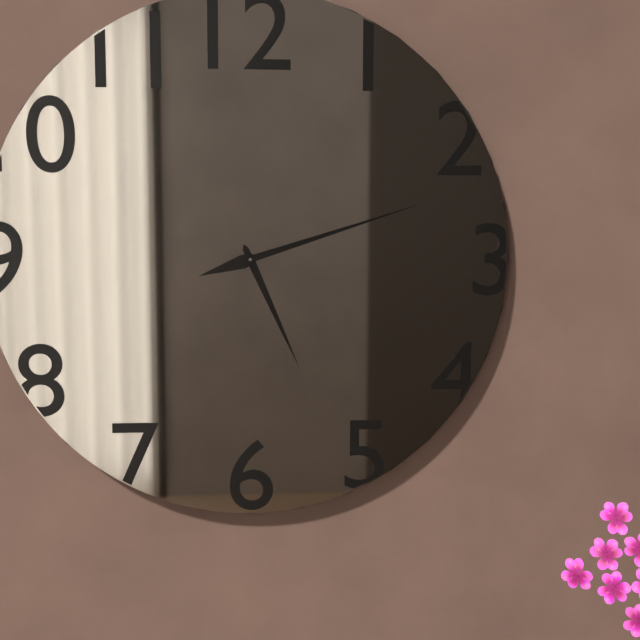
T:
5.12
